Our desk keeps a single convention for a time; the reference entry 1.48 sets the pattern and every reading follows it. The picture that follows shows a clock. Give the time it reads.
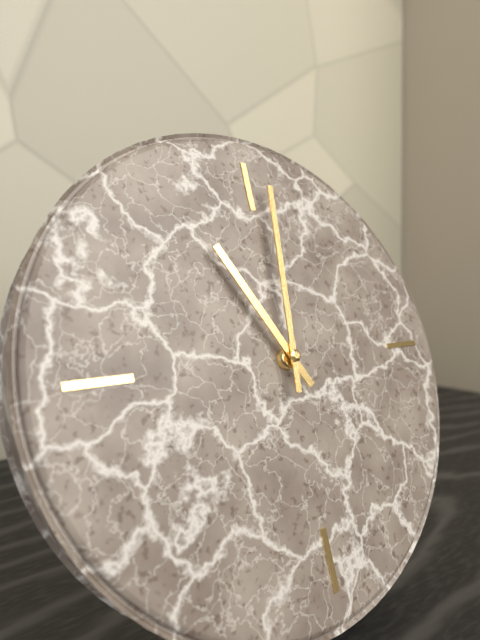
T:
11.01
